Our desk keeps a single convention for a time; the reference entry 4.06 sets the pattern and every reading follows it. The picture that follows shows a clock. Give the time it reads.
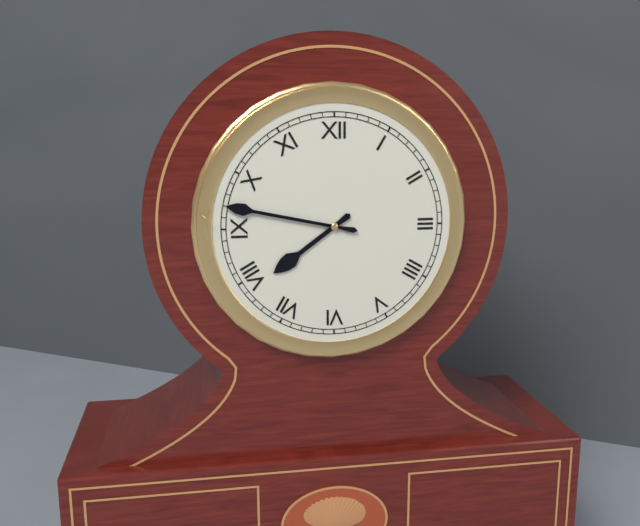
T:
7.47
